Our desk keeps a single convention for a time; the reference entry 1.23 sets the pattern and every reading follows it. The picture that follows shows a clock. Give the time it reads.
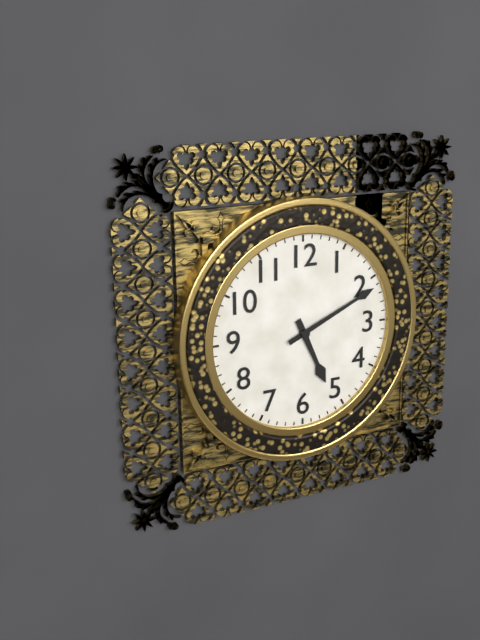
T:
5.11
